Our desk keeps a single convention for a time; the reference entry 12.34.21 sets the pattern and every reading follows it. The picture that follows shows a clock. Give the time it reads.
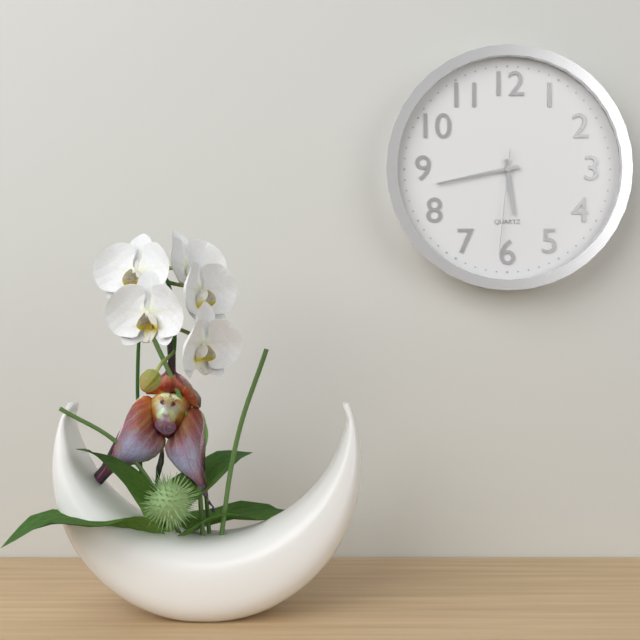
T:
5.43.31
